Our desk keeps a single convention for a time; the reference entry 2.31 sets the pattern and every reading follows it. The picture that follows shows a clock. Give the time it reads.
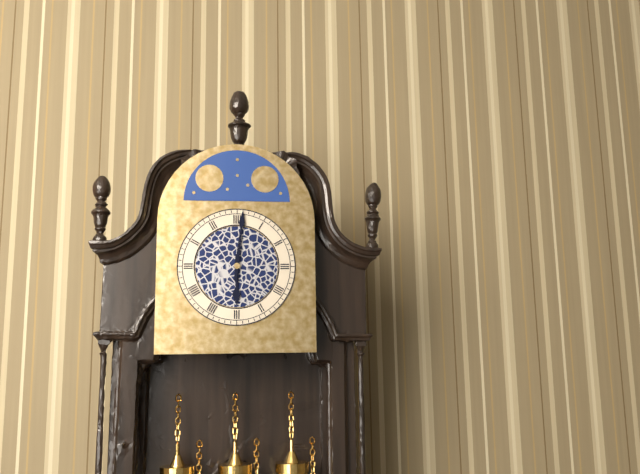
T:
6.01
